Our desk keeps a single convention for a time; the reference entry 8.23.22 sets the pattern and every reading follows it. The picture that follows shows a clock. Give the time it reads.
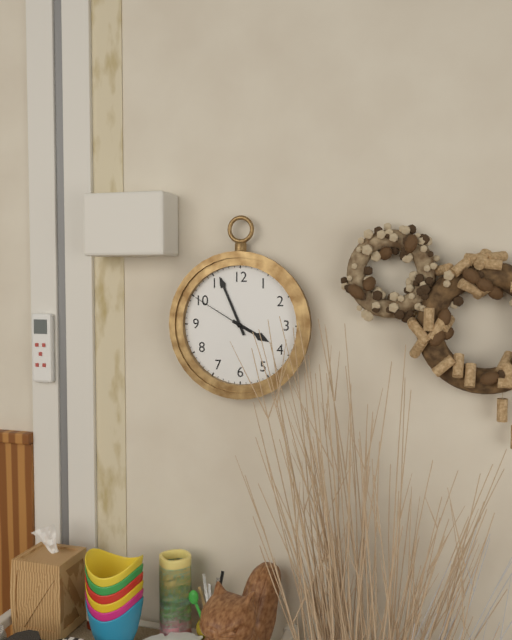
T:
3.56.50
